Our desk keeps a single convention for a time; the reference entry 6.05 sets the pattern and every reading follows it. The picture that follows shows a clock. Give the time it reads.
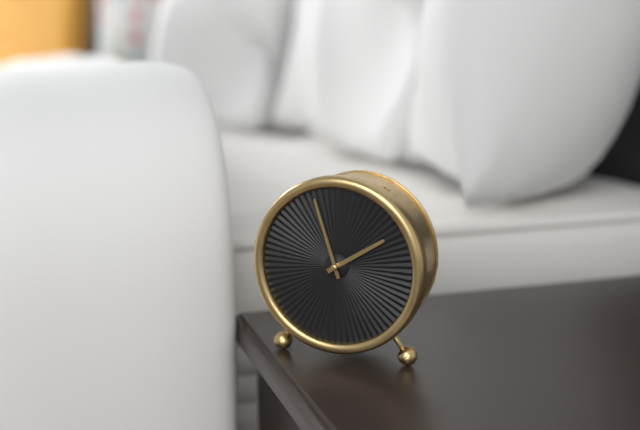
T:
1.57
